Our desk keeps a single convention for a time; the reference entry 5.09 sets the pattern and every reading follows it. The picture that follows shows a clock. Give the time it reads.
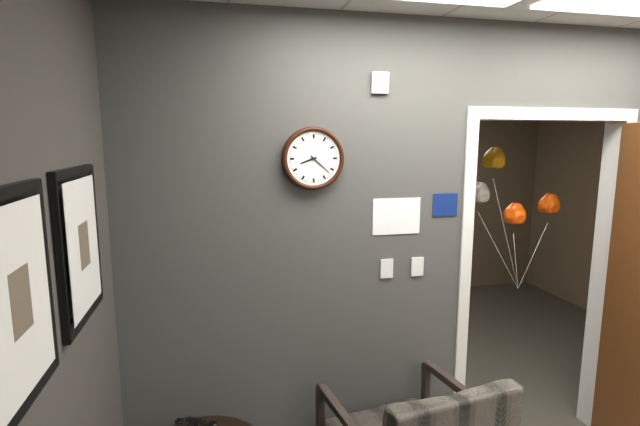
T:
8.22
